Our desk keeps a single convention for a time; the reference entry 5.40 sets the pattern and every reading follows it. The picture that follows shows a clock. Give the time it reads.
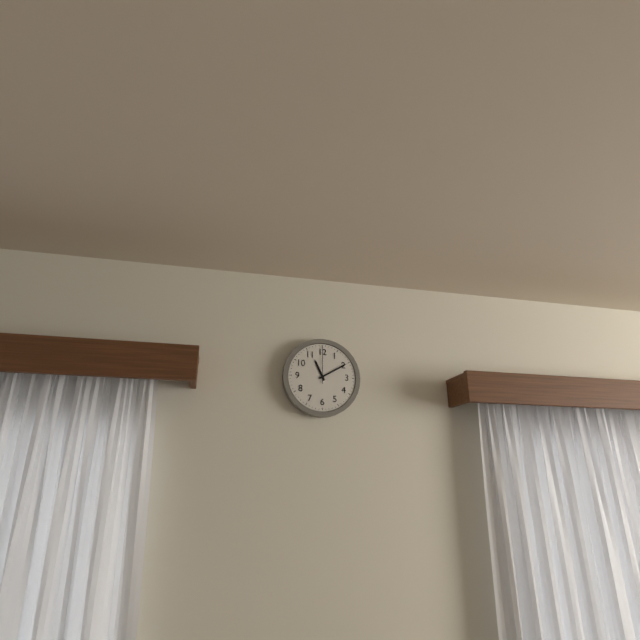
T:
11.10
